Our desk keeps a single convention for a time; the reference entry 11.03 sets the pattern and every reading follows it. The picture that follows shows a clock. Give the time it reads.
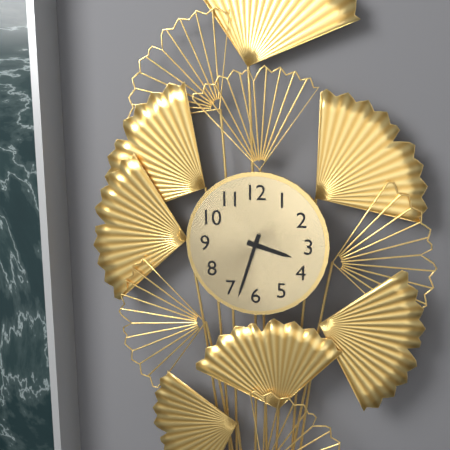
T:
3.33
